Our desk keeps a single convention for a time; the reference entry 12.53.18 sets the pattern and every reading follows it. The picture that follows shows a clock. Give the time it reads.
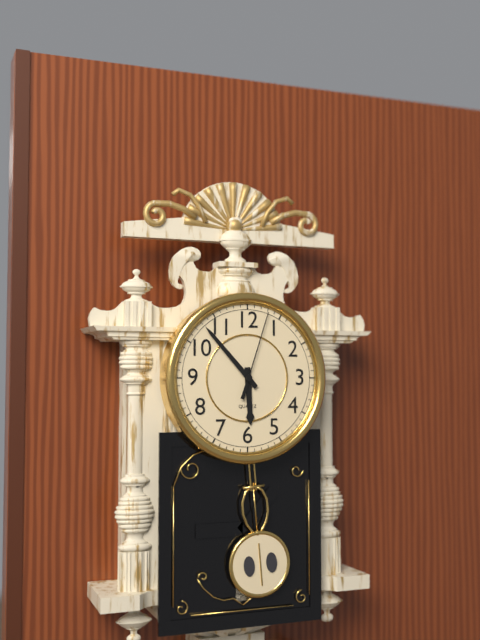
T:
5.53.03
